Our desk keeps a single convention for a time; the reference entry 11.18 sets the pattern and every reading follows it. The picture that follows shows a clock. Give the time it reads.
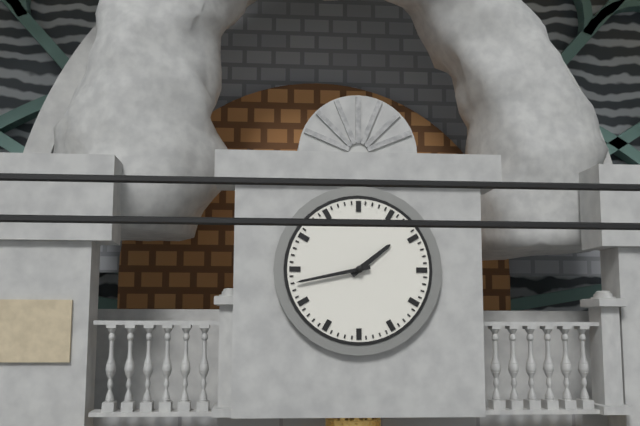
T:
1.43
